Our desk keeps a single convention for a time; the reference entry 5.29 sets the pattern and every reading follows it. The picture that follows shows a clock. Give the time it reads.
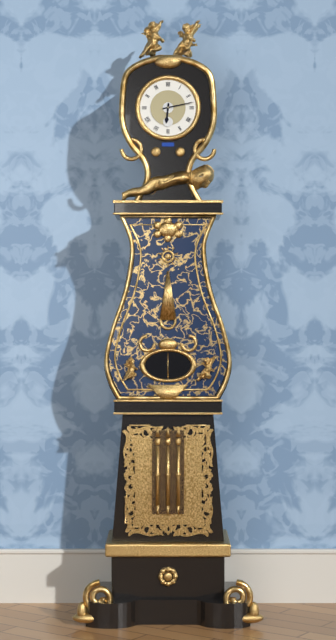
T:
6.13
